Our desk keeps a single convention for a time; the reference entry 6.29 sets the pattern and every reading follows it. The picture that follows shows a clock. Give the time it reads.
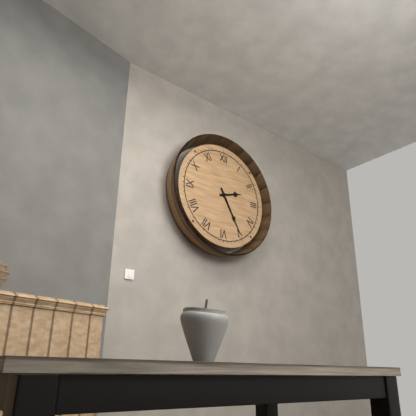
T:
2.25
